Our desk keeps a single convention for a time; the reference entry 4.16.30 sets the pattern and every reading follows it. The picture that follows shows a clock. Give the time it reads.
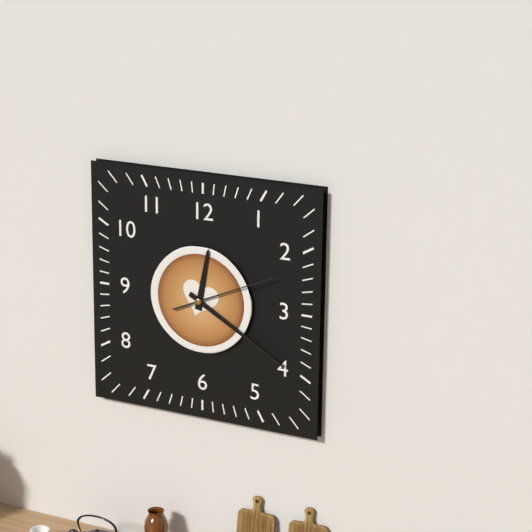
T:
12.20.11
